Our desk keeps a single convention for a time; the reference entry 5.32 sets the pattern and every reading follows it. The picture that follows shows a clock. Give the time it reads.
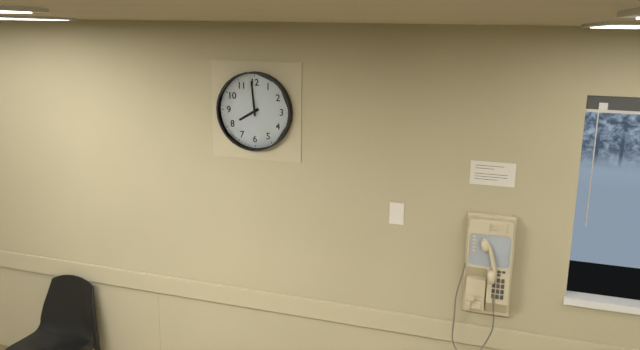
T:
7.59
